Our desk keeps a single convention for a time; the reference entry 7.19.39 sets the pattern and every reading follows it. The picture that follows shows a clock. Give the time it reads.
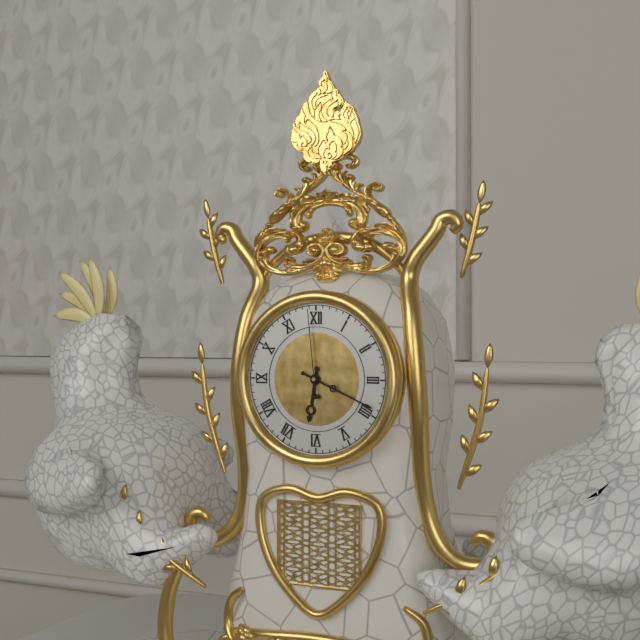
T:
6.19.59
